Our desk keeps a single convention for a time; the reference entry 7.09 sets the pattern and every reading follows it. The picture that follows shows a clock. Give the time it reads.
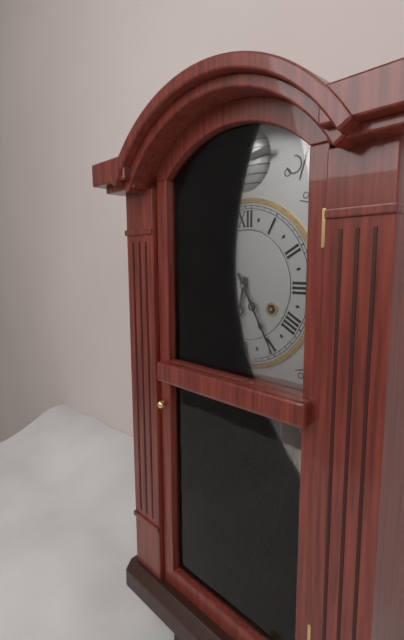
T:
6.25
